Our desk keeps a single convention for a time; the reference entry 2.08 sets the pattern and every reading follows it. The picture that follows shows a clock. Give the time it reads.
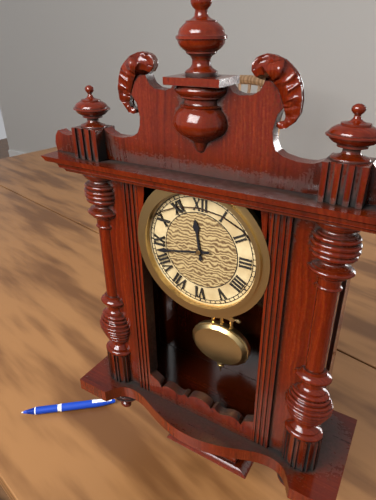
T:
11.43
